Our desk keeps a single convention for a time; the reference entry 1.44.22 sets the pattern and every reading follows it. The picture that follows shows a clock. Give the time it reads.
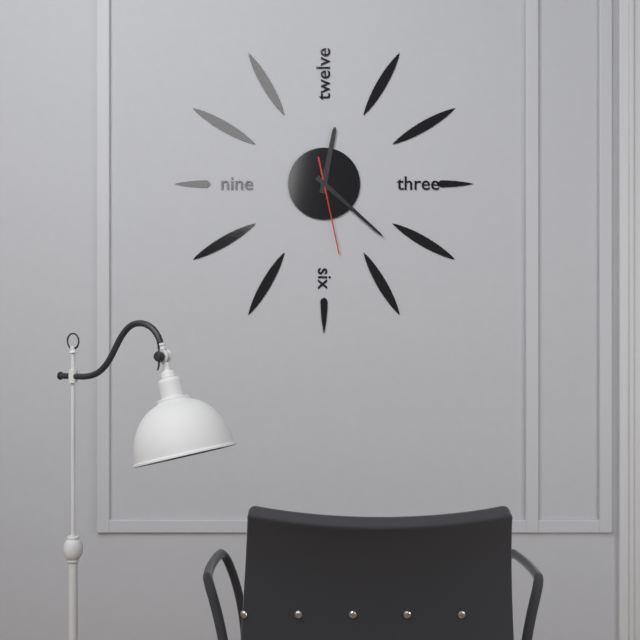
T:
12.22.28
